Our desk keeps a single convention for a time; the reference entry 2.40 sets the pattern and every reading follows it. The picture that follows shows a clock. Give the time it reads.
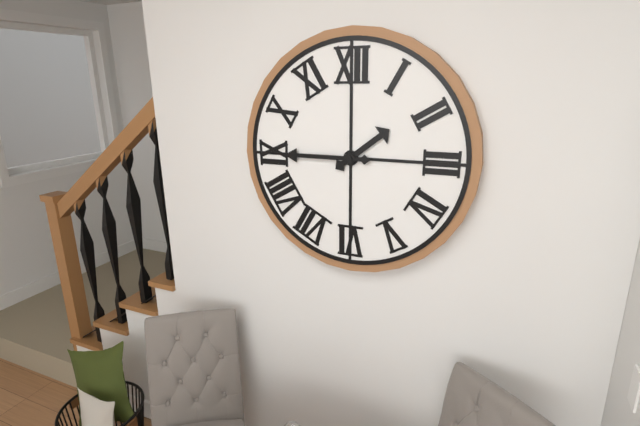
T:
1.45
